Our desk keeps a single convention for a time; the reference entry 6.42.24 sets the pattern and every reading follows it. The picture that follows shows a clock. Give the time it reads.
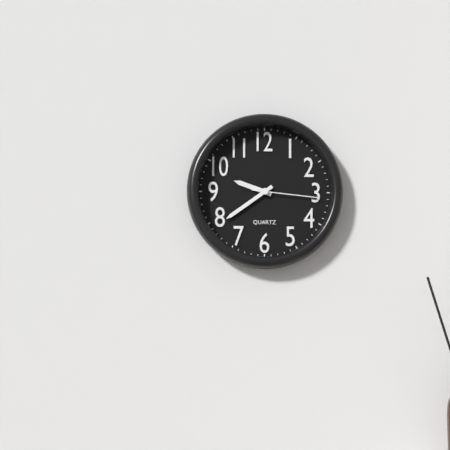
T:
9.39.16
